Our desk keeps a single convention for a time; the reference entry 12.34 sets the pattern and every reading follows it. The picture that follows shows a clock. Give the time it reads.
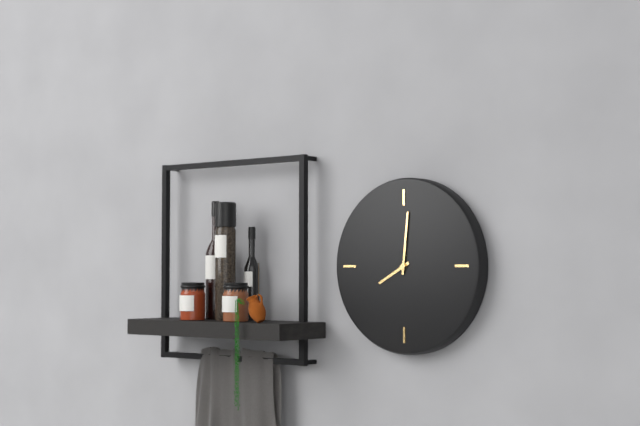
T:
8.01
